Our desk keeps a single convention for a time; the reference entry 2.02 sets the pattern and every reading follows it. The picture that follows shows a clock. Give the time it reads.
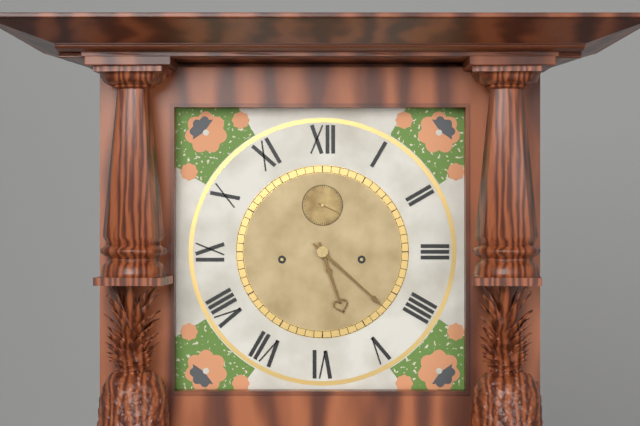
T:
5.22
